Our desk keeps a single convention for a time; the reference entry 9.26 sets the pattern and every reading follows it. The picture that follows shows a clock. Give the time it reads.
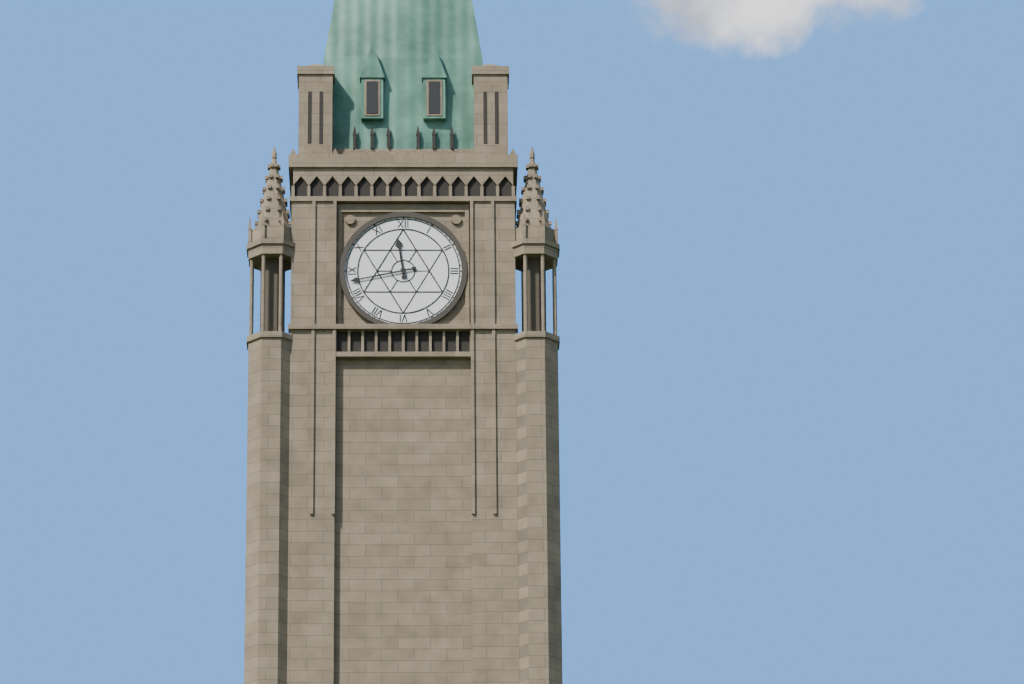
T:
11.43
